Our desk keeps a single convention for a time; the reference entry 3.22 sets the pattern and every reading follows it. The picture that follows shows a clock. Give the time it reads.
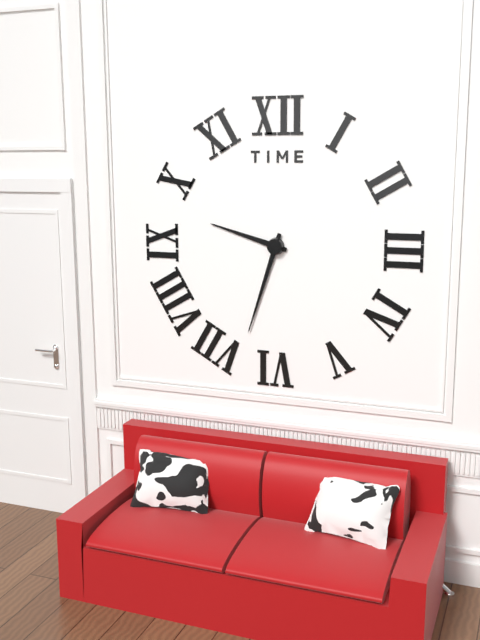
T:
9.33
